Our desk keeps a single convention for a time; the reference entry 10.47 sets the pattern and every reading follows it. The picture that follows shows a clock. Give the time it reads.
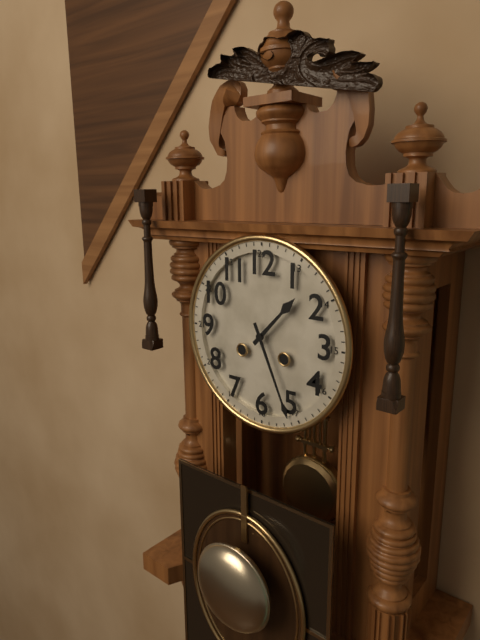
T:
1.26
